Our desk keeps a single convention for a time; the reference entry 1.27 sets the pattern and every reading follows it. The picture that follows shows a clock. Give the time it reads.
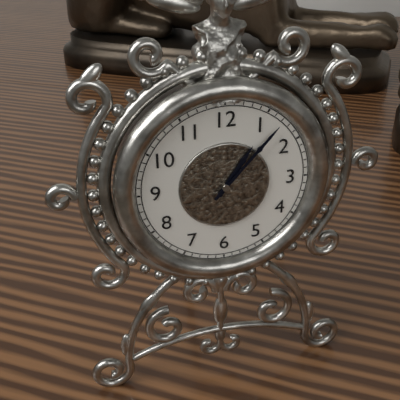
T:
1.07
